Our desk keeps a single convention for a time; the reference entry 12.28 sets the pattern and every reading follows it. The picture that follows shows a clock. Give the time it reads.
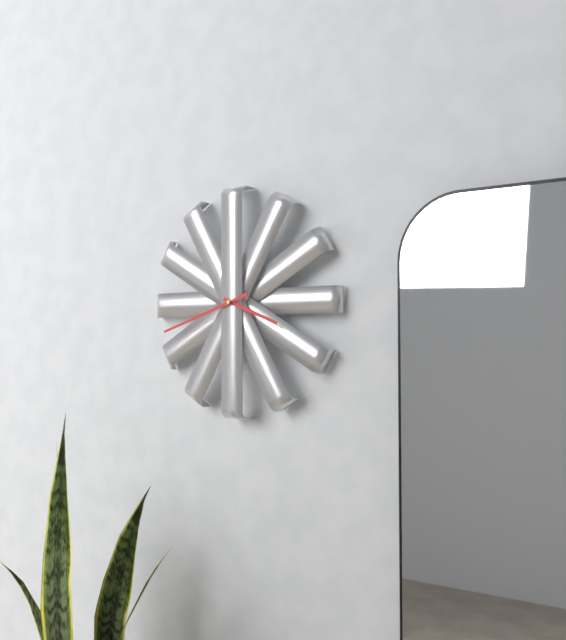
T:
3.42
